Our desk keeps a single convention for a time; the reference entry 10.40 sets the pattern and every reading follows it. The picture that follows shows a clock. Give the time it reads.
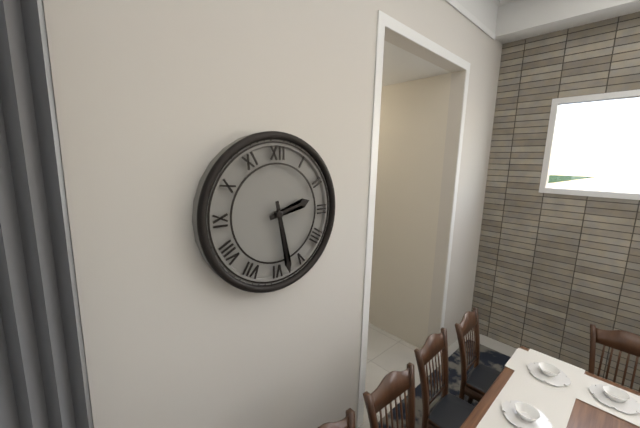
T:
2.28
